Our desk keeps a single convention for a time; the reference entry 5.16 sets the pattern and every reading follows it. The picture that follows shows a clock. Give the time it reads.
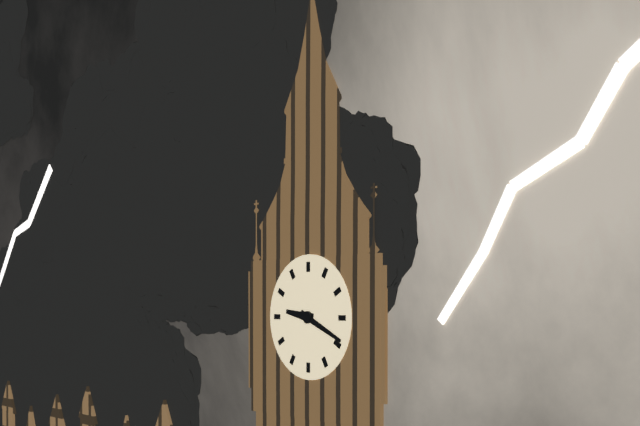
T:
9.19
